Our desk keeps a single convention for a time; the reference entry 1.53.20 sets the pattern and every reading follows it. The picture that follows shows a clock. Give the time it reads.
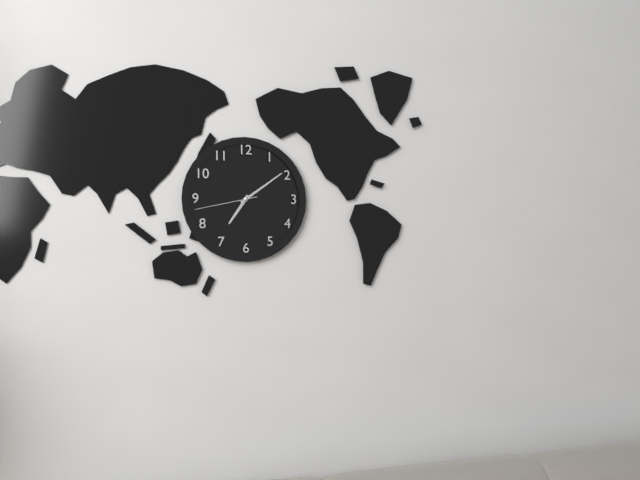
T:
7.09.43
